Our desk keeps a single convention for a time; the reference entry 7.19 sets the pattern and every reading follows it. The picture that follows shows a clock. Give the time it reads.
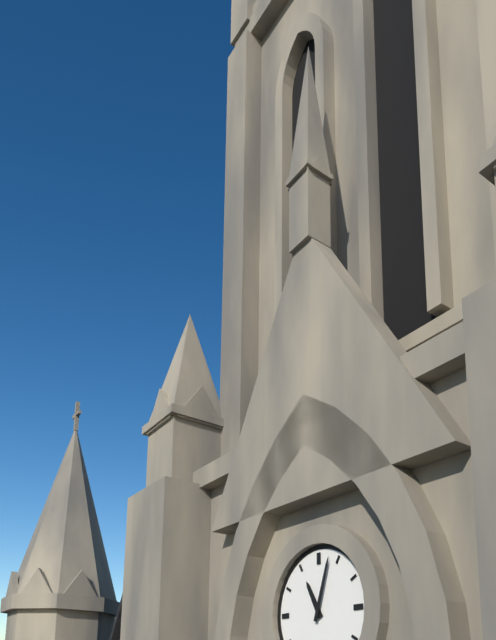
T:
11.03
